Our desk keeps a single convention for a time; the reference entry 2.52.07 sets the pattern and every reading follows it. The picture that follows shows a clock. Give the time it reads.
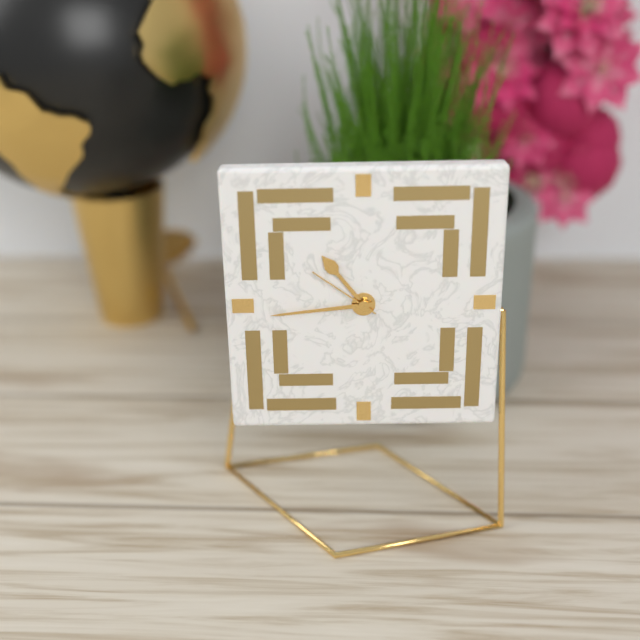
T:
10.44.51
